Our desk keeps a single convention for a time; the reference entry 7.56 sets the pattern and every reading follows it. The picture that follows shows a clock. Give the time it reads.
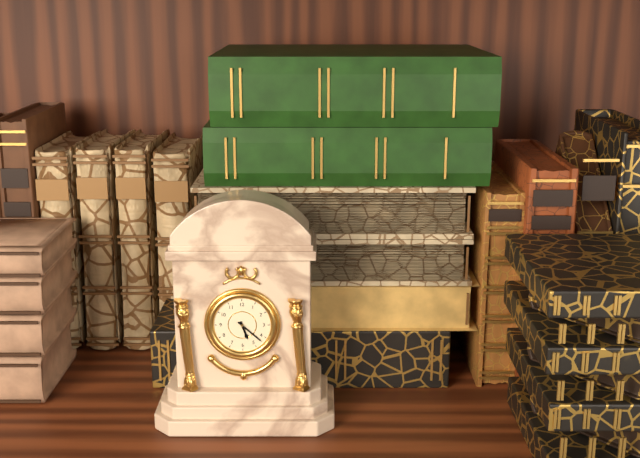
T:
5.22
